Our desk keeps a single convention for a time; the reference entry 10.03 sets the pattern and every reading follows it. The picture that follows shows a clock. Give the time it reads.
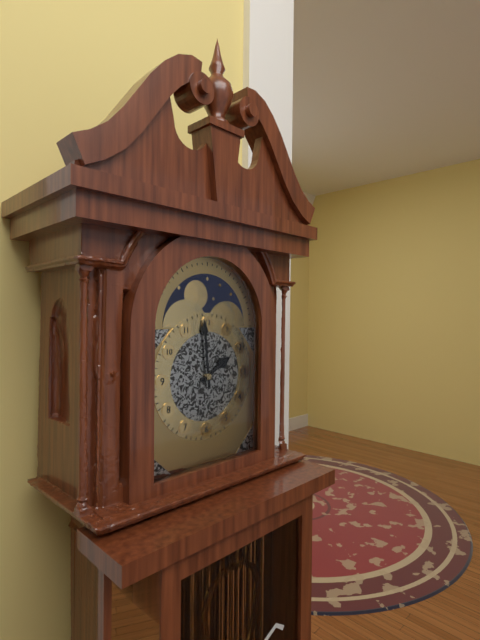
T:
1.59
